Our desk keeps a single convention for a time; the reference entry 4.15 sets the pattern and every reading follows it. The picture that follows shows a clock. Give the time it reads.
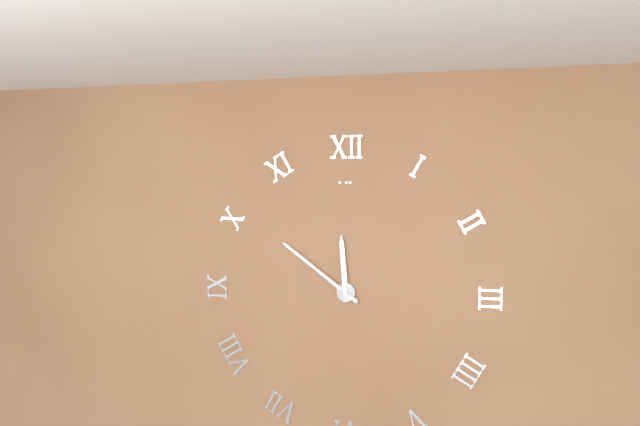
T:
11.51
